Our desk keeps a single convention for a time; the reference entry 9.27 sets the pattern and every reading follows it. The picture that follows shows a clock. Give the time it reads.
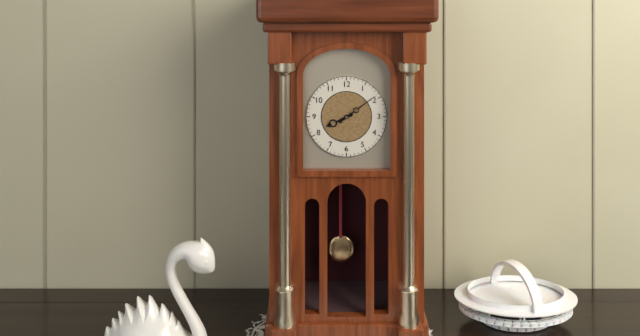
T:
8.09
